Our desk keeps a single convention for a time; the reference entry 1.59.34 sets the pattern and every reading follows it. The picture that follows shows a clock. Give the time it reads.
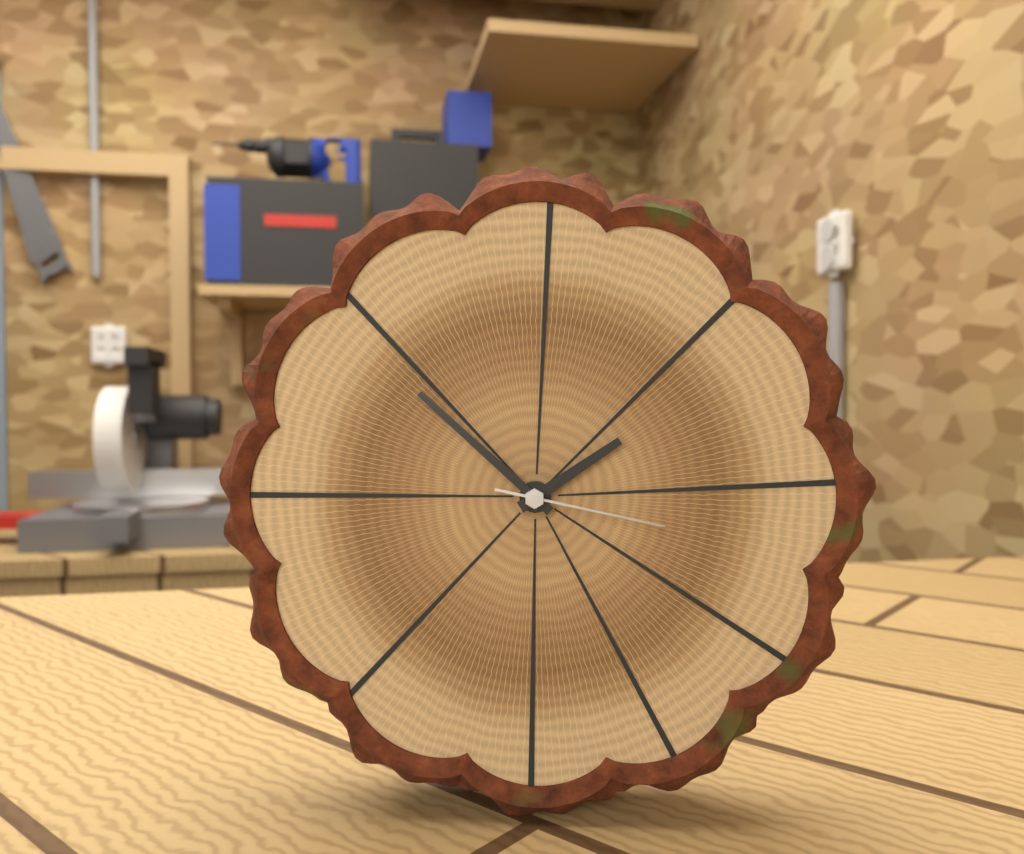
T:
1.52.17
